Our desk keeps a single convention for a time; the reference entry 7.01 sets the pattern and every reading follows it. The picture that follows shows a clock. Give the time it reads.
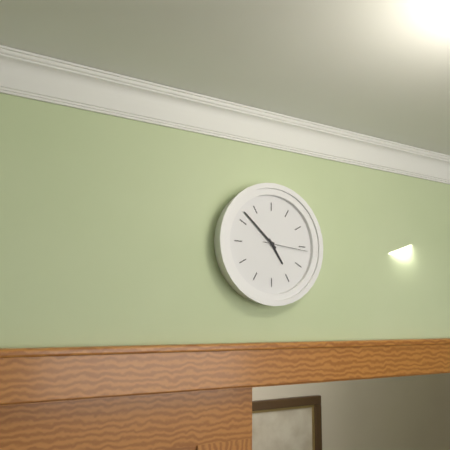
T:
4.52
